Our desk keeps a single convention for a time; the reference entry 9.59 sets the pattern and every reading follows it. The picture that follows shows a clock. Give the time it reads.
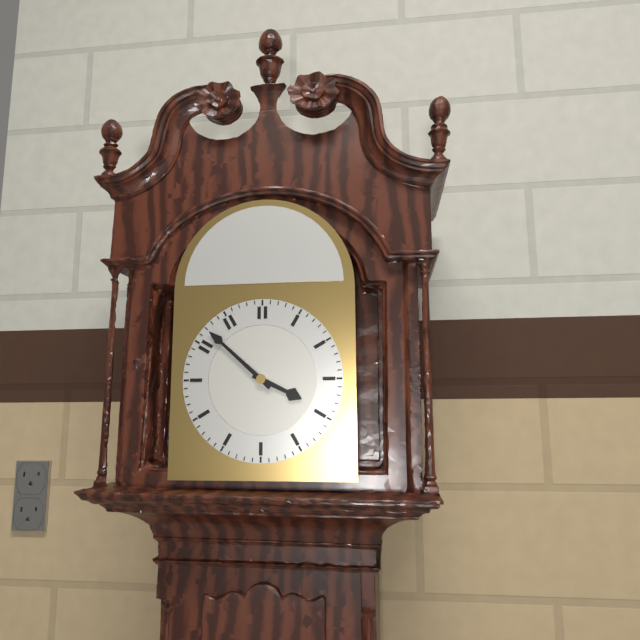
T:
3.52
